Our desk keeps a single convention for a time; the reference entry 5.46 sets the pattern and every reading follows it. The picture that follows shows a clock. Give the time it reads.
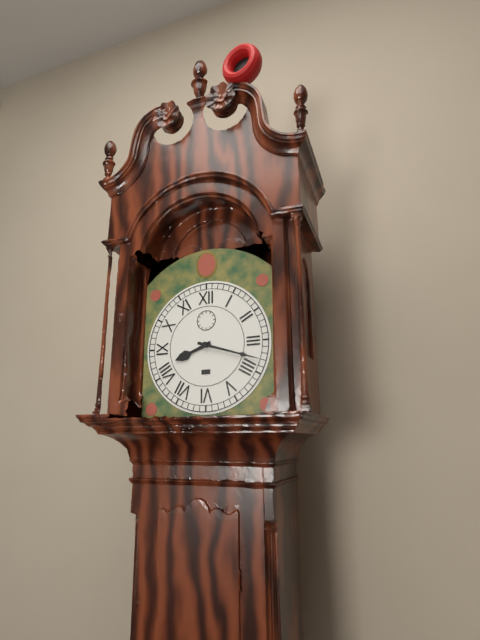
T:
8.18
